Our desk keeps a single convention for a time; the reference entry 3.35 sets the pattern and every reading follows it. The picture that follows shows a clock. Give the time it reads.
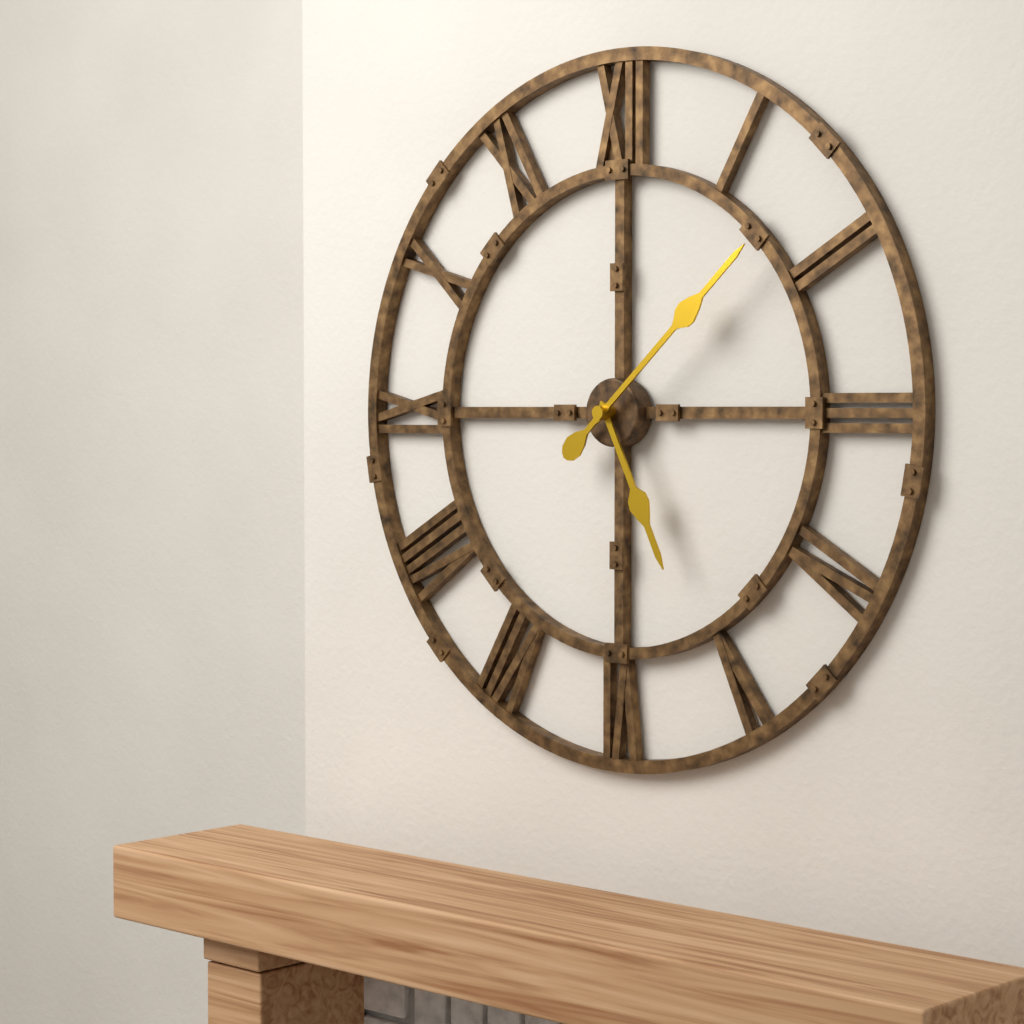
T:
5.08
